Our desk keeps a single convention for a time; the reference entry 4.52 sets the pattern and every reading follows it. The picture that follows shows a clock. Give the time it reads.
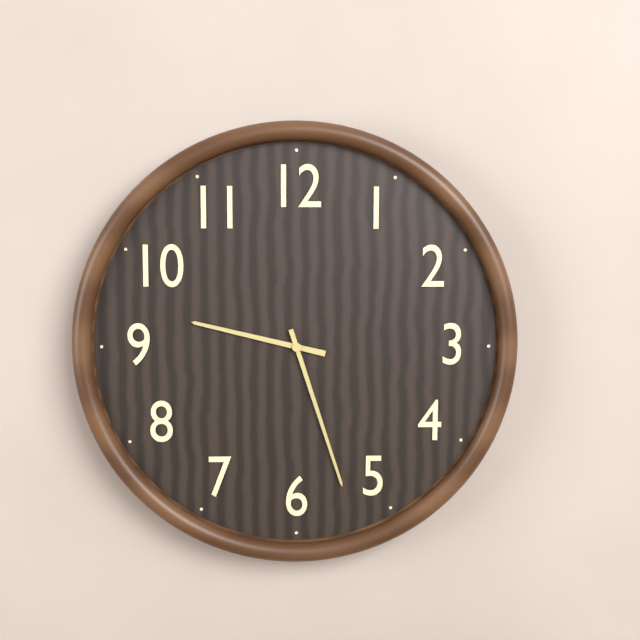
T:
9.27
